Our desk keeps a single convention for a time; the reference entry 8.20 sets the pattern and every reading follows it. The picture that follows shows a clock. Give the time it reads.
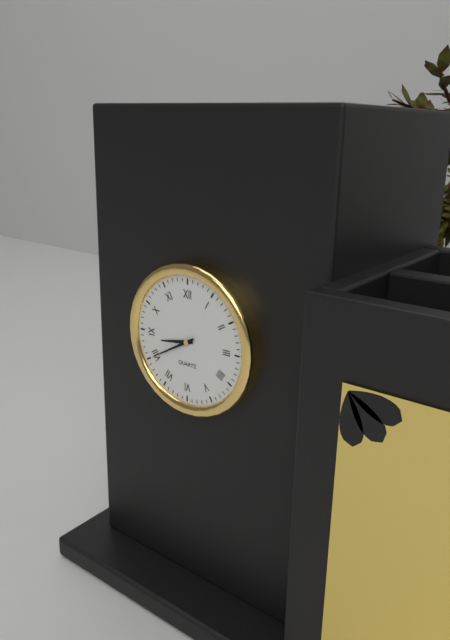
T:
8.40
